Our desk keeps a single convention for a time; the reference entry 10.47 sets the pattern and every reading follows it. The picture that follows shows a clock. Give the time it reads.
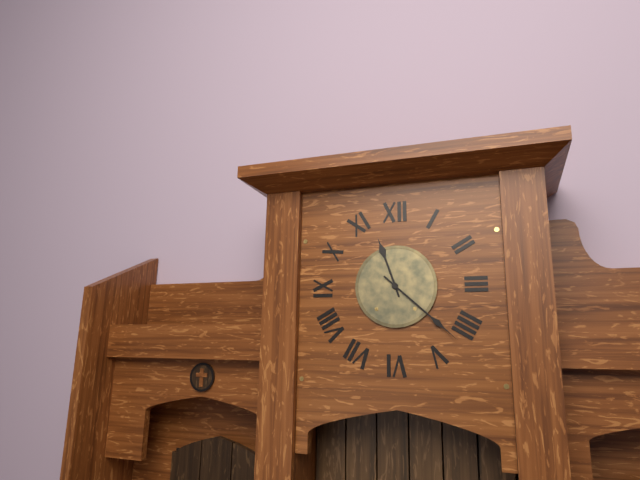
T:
11.22
